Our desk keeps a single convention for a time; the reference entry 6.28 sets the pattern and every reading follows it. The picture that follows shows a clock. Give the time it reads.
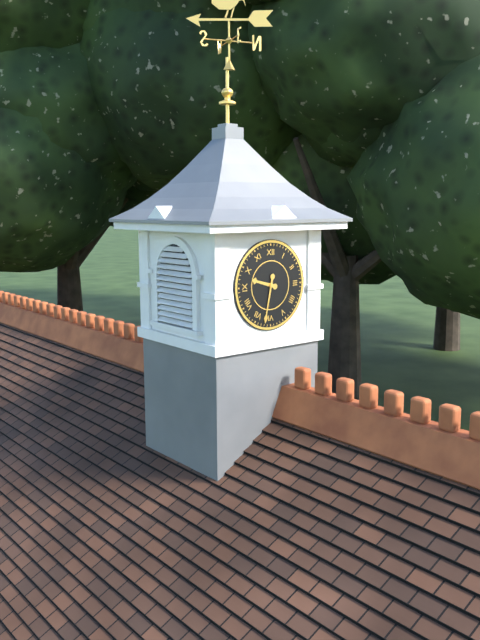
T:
9.32
